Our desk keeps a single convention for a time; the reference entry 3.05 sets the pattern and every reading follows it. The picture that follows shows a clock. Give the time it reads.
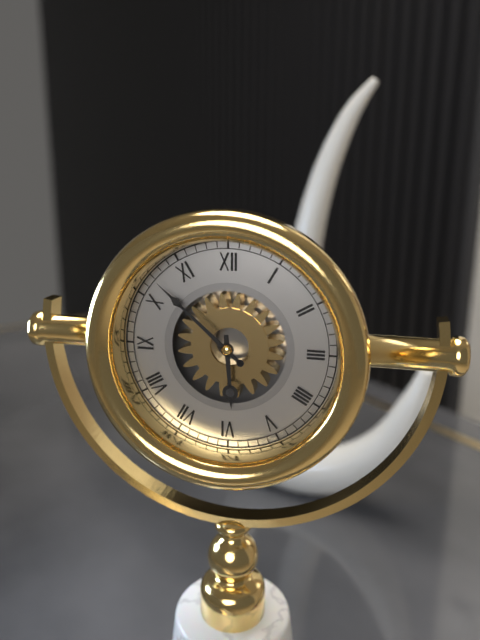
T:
5.52
